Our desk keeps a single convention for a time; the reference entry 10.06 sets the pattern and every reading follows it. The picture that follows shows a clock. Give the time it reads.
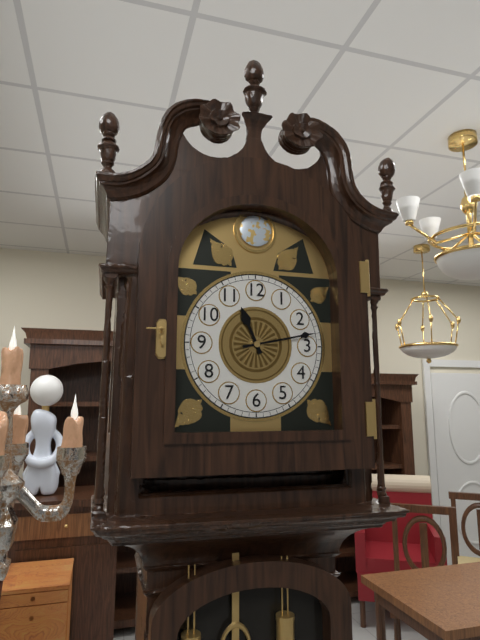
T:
11.13
